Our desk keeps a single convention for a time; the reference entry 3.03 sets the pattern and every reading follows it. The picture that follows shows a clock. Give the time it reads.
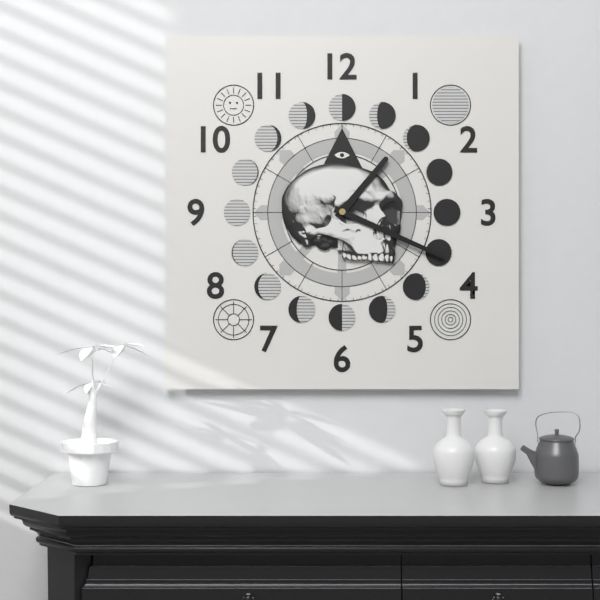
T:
1.19
